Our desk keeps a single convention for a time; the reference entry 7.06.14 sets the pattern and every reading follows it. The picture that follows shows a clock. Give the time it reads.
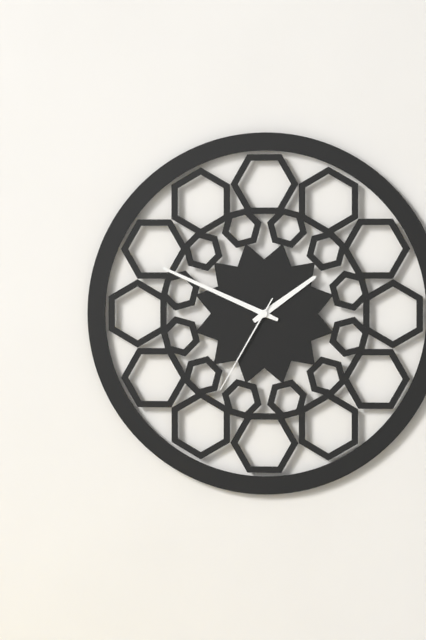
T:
1.49.35
